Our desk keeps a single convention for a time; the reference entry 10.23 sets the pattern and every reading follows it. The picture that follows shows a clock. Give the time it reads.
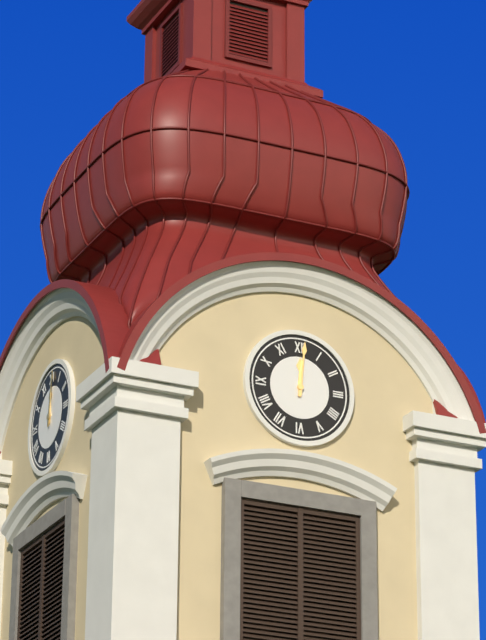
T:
12.01
